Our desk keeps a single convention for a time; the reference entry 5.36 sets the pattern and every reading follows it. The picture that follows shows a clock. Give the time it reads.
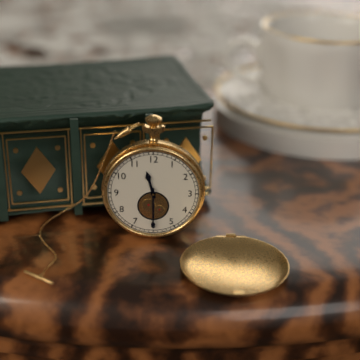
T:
11.30
